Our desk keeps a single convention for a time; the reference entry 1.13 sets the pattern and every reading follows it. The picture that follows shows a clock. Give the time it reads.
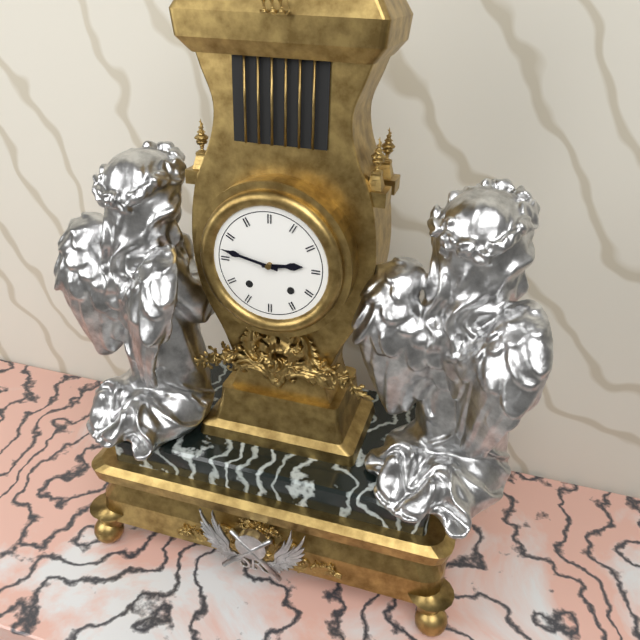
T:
2.47
